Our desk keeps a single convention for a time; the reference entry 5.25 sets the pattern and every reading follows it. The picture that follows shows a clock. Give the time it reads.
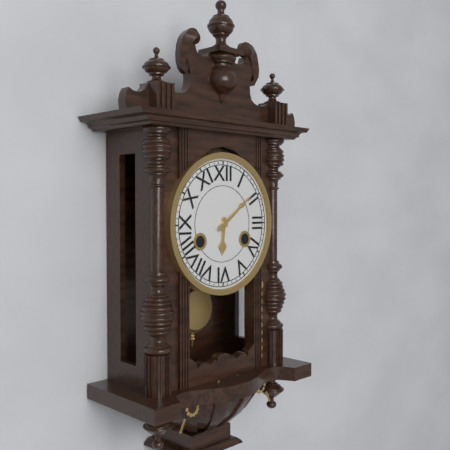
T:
6.09
